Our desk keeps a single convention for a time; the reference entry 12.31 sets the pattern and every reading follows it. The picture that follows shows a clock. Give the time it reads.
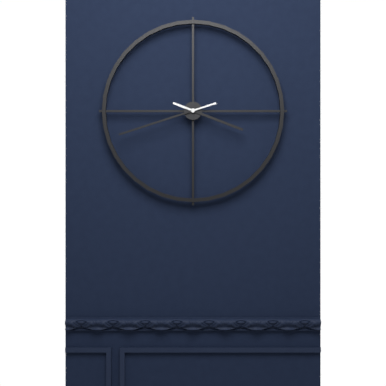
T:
3.42
